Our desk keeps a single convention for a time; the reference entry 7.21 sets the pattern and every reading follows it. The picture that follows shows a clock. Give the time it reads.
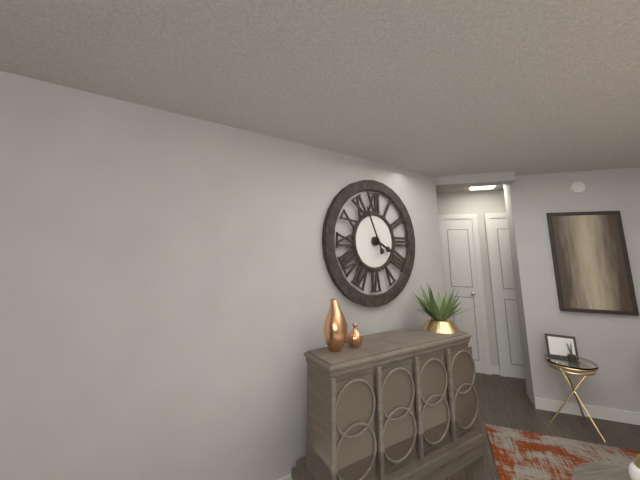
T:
3.56
